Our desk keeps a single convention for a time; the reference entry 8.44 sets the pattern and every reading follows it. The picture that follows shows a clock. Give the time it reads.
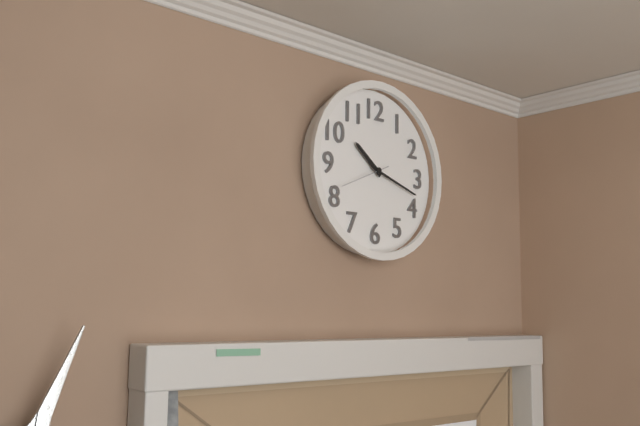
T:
10.18
